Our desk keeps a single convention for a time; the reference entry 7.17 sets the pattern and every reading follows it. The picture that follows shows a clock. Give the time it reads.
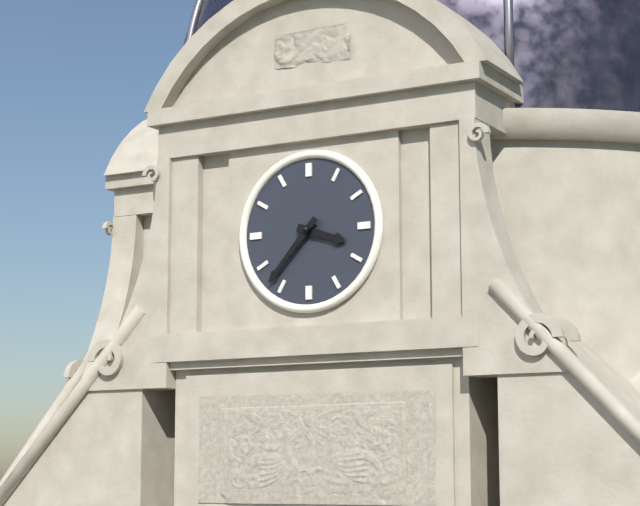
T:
3.37
